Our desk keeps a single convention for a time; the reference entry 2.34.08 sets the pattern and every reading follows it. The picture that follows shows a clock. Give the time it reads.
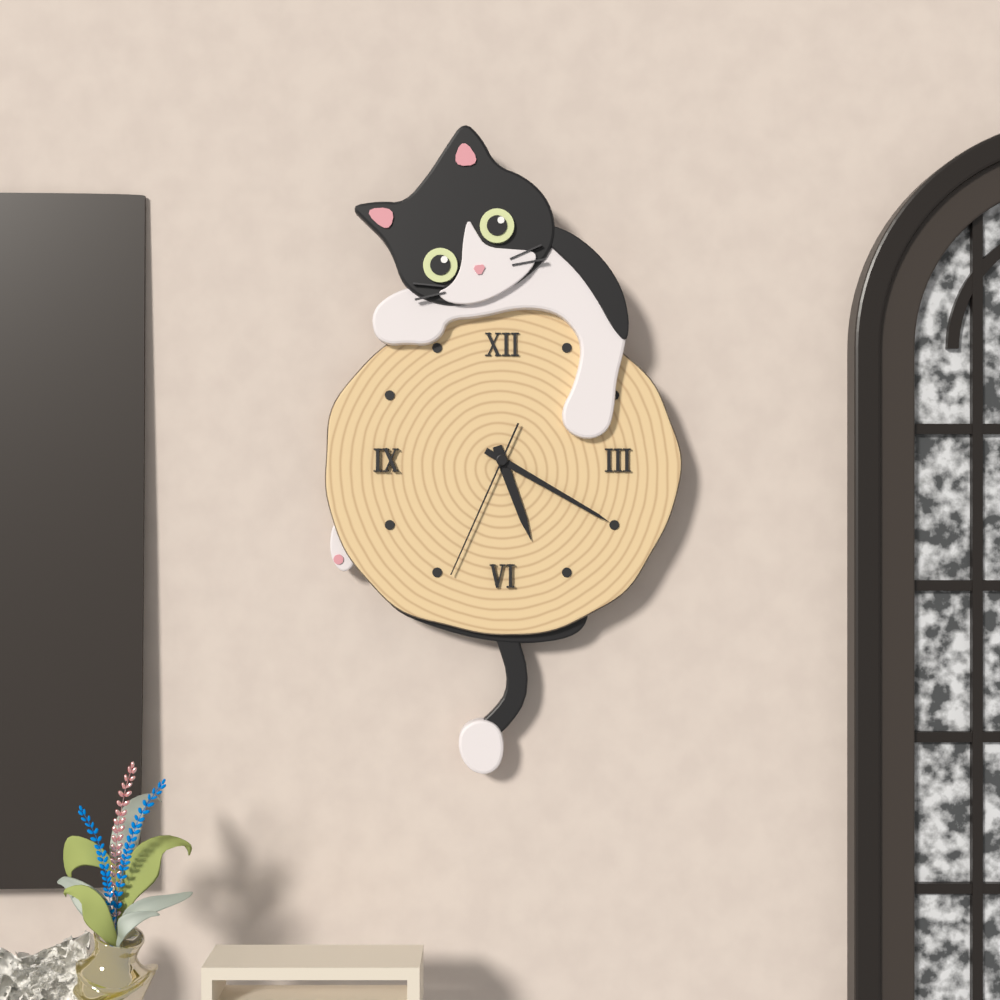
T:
5.20.34
